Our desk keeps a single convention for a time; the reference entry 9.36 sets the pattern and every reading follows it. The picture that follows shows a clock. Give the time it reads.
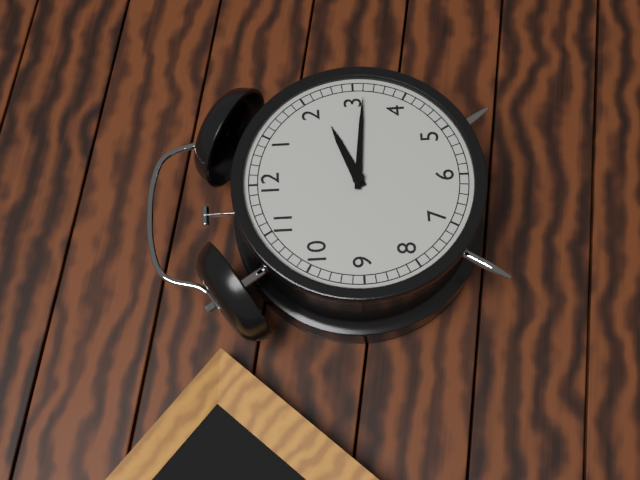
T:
2.16
